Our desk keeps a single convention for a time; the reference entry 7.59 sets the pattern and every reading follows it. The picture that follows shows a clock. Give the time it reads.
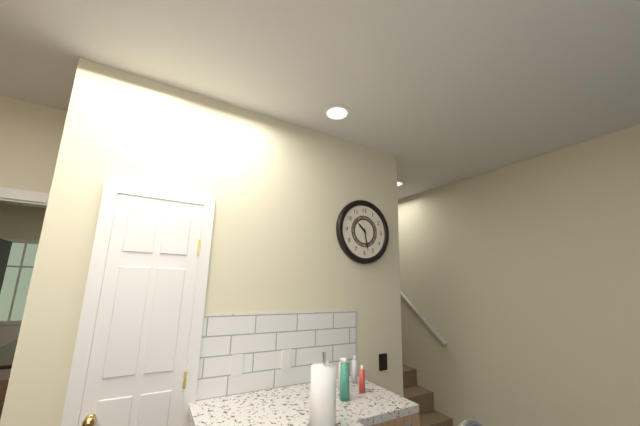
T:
10.28
